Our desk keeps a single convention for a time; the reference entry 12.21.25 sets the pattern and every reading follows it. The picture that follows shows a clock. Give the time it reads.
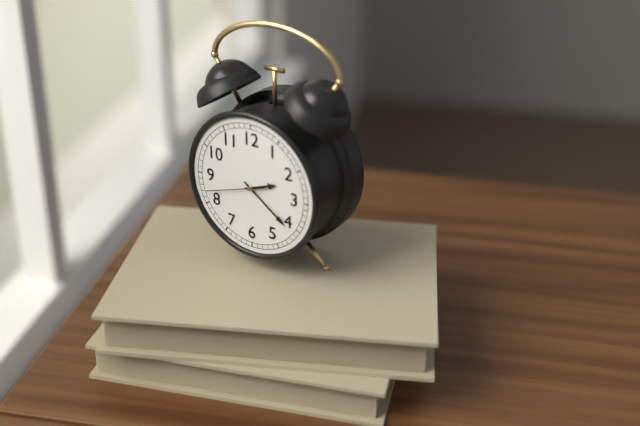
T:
2.21.42
